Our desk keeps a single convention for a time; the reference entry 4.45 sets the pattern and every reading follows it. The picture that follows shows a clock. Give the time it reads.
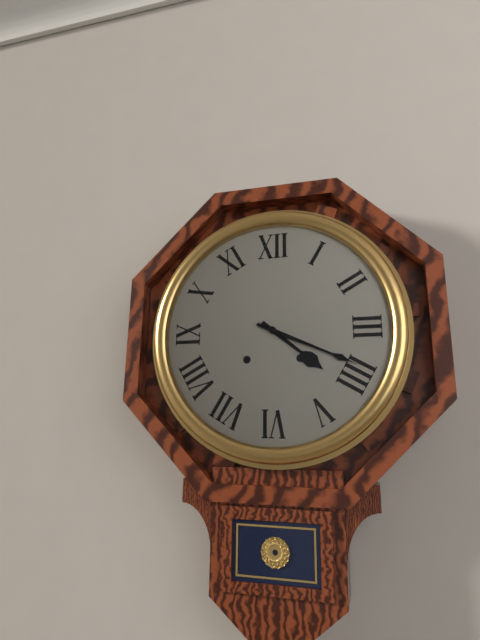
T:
4.19
